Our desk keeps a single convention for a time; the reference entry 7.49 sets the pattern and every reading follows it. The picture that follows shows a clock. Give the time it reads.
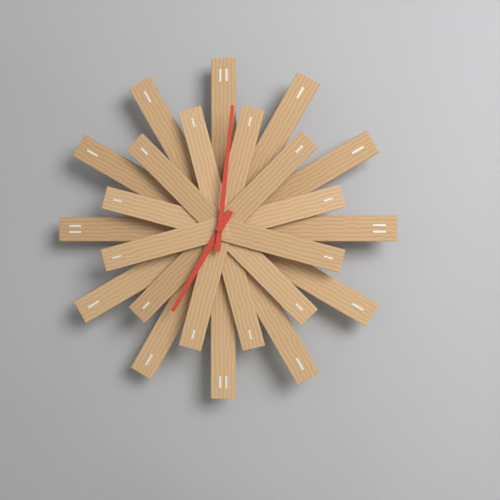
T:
7.01
